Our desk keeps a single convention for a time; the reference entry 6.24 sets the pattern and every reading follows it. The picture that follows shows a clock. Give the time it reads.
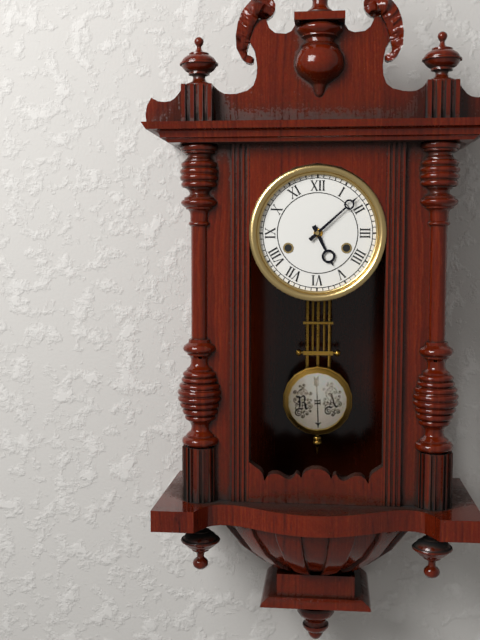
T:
5.08
